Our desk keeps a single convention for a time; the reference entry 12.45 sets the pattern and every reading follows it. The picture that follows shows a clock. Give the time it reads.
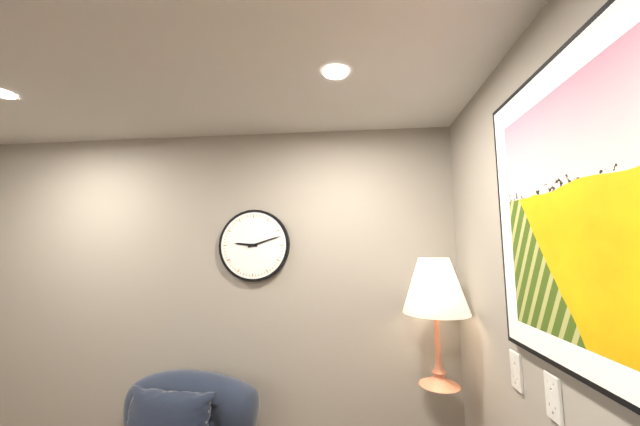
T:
9.12
